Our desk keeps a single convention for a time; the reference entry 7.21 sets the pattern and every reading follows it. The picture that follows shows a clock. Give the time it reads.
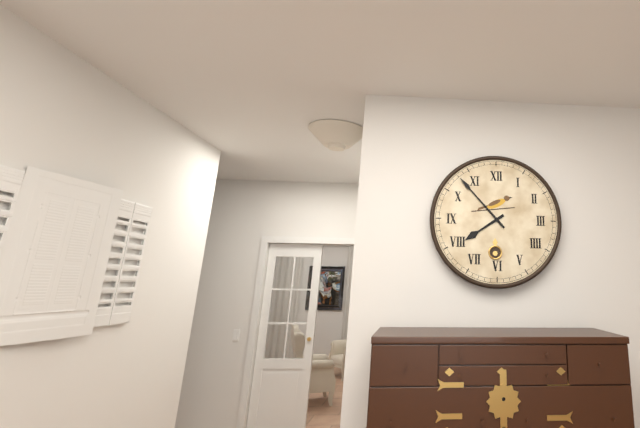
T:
7.53
